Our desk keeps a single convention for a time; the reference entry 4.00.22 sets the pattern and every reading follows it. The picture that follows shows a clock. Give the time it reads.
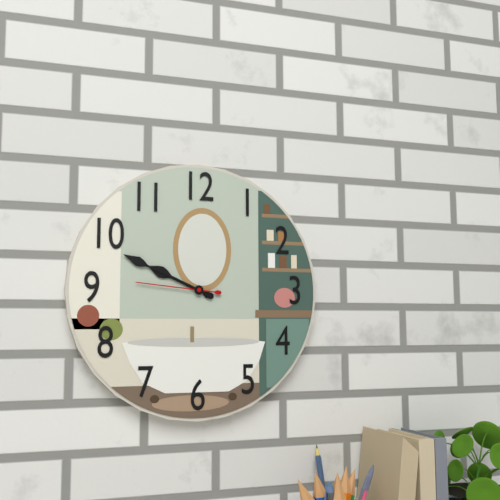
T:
9.49.46
